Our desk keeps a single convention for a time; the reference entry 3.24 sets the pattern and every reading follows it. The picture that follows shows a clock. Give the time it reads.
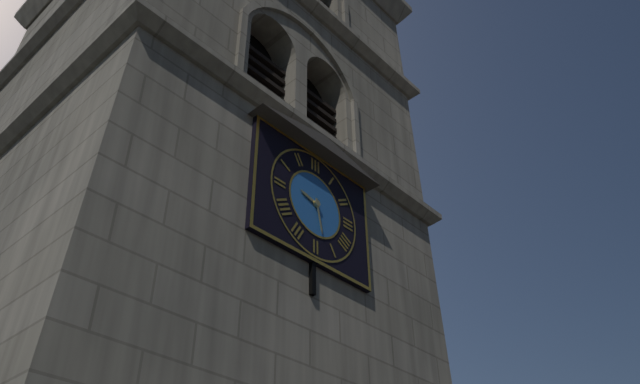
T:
9.28
